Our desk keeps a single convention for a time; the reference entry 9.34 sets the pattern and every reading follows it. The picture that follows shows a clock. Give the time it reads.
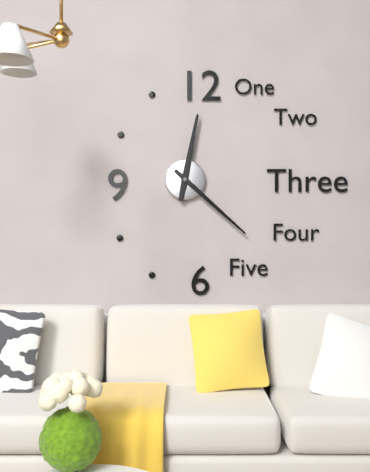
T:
12.22
